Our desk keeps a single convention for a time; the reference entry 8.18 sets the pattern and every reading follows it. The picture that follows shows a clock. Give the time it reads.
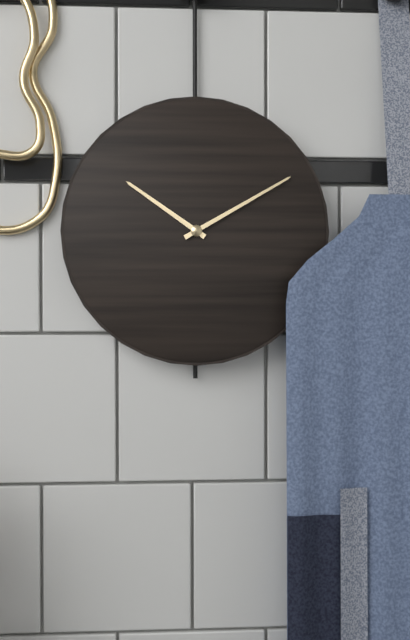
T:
10.10
